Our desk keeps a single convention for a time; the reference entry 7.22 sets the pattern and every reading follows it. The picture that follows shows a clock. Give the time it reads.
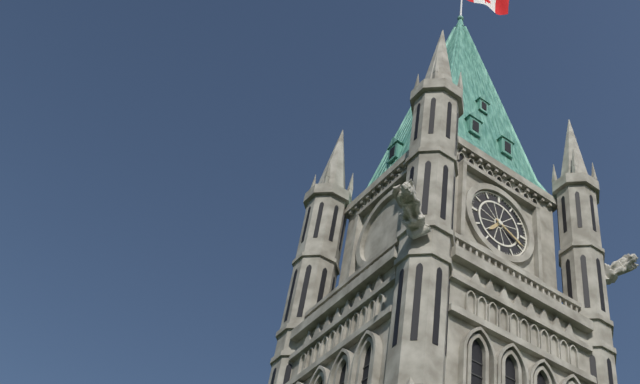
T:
7.19
